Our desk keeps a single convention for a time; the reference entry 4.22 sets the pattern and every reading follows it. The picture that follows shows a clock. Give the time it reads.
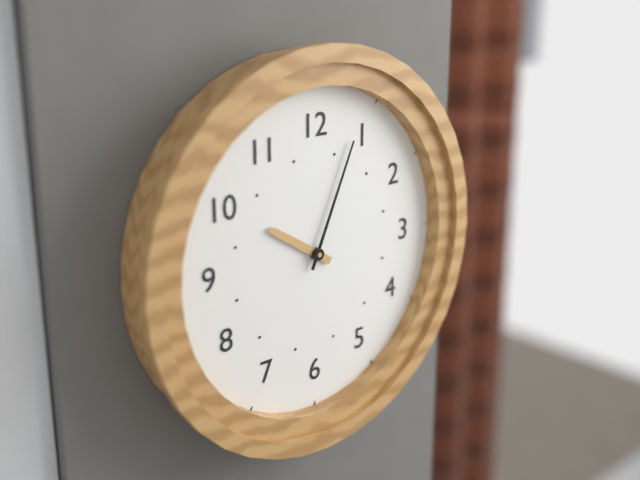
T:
10.04
